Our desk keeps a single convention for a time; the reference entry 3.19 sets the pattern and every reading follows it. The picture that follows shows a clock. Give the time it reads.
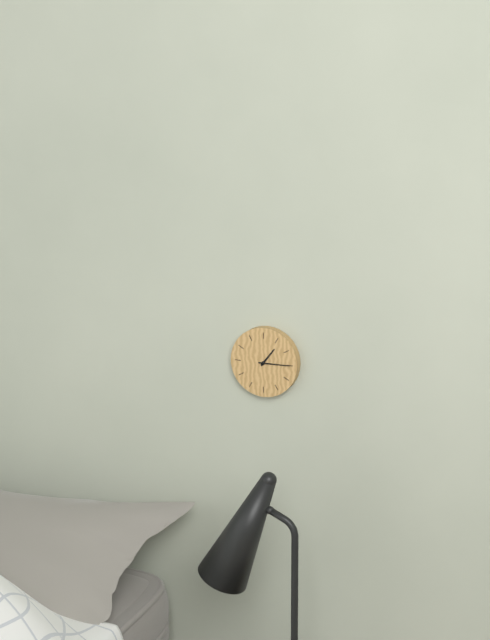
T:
1.15
